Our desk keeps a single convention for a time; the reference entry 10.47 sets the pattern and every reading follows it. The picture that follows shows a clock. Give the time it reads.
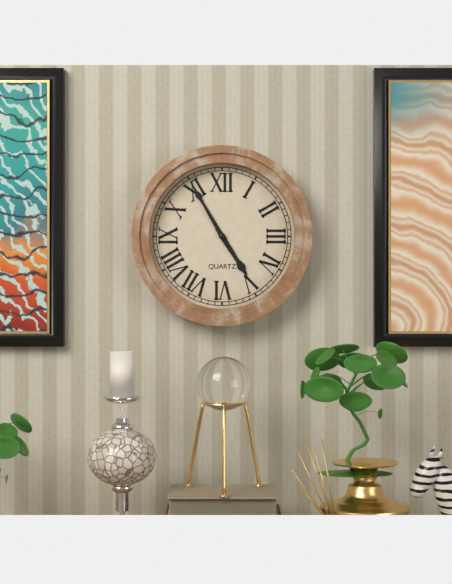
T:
4.55
